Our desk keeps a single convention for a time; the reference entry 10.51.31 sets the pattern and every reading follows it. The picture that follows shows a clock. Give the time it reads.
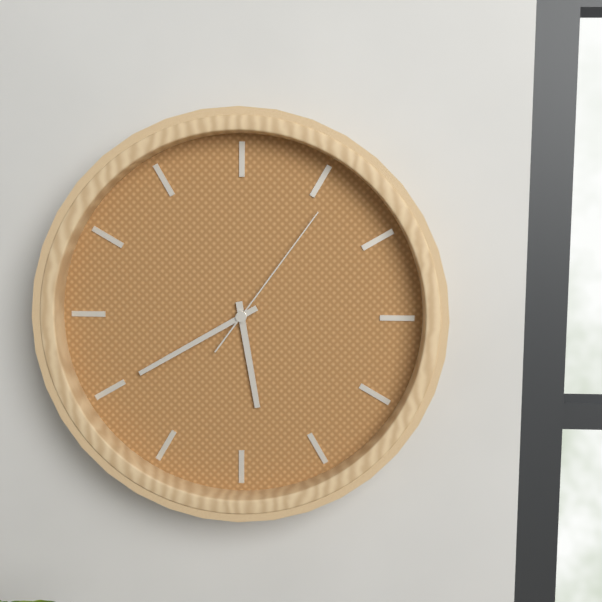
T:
5.40.06
